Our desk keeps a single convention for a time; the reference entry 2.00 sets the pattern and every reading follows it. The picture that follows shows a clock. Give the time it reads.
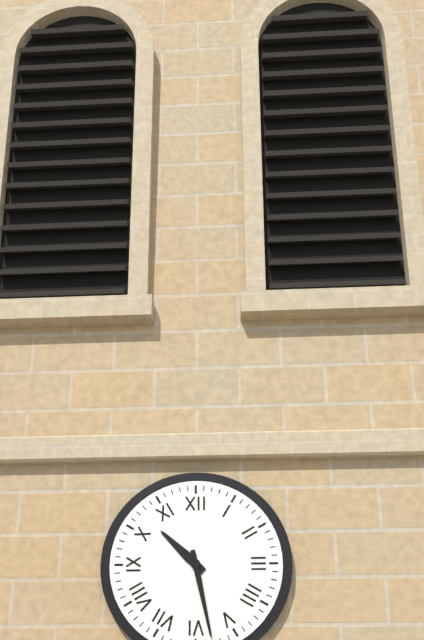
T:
10.28
